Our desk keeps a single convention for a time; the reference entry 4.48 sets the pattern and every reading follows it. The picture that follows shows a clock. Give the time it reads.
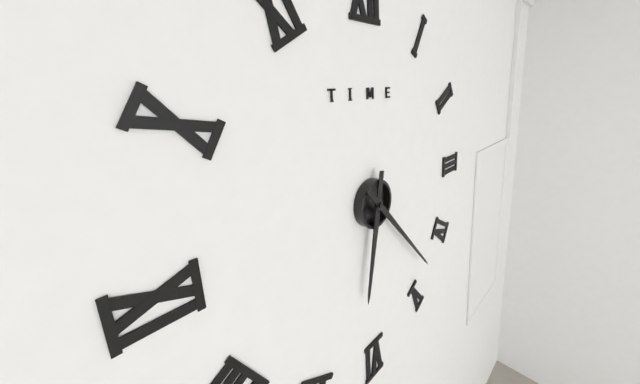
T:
6.23
